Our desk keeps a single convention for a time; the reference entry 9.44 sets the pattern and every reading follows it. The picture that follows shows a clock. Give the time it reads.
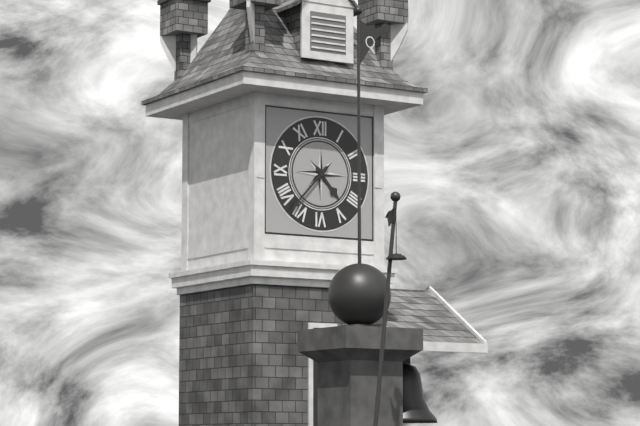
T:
4.37
